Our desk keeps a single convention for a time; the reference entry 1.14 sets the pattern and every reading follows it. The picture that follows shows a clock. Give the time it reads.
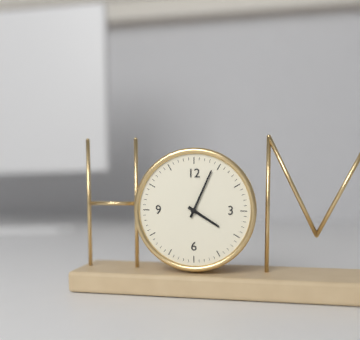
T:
4.04
